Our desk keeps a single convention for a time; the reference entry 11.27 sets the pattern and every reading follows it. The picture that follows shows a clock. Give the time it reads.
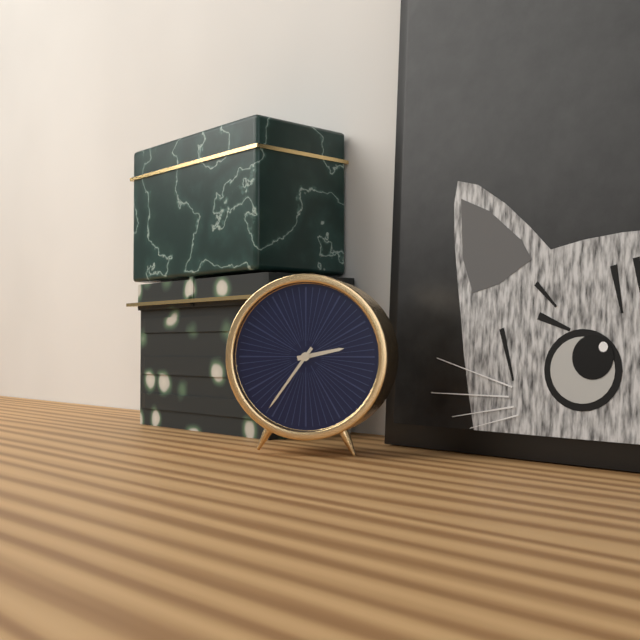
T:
2.36
